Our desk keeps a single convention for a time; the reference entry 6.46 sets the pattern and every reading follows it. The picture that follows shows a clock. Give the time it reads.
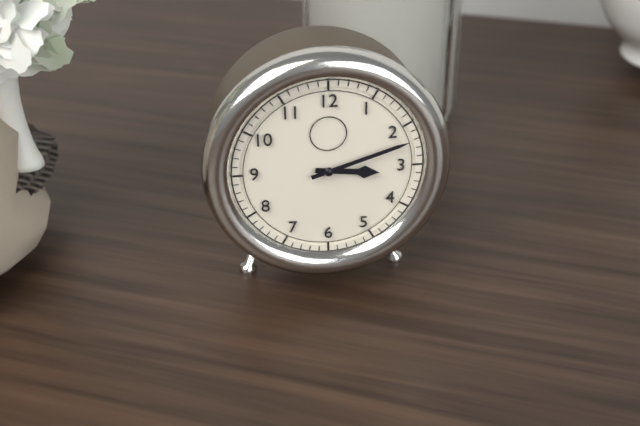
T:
3.12
